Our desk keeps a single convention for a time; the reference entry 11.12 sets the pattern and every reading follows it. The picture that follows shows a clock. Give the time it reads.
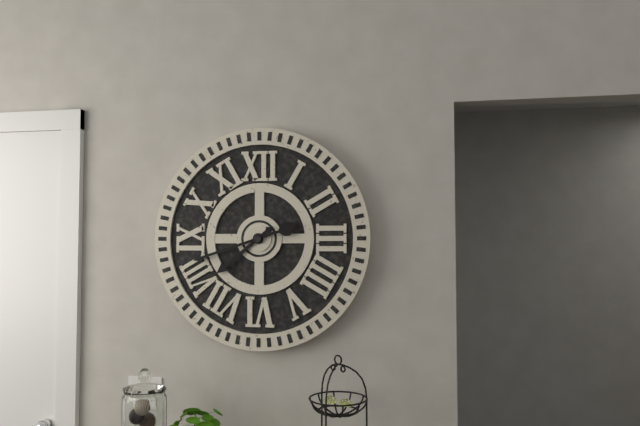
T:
7.42
